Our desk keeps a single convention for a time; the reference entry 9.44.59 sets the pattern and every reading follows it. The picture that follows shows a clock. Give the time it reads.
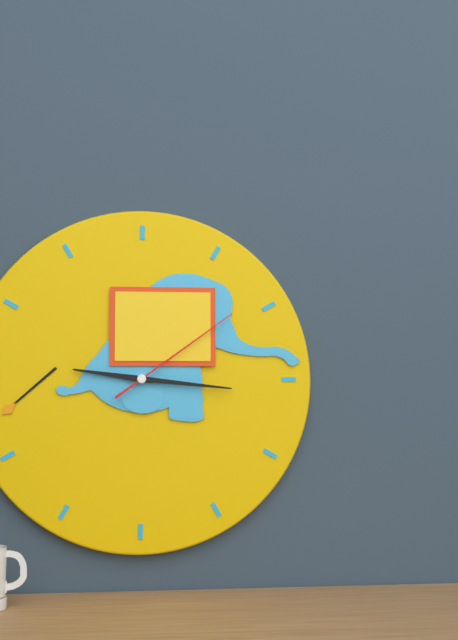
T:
9.16.09
